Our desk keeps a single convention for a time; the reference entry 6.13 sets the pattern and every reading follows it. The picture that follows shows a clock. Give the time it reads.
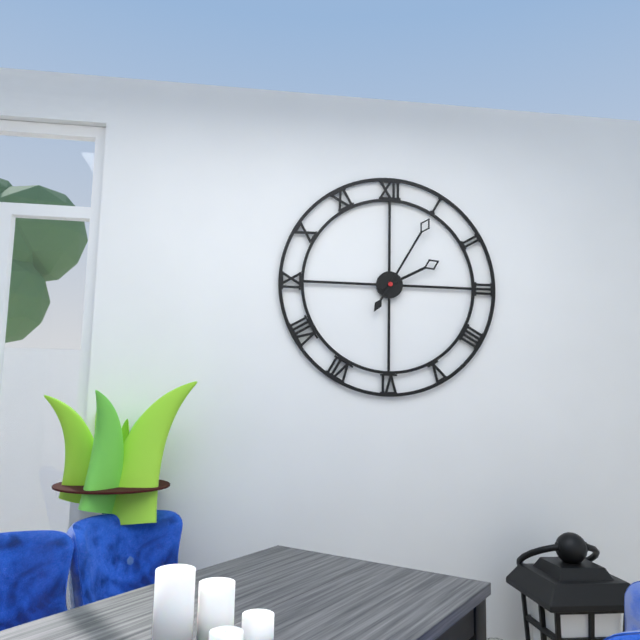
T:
2.05
